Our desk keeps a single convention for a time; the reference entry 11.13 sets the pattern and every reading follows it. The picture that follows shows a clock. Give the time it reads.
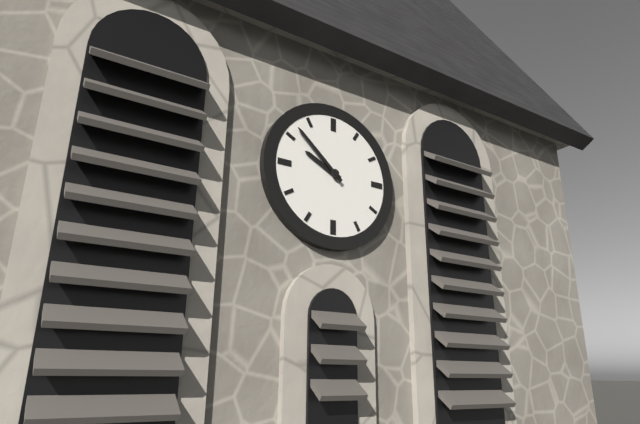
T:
9.52
